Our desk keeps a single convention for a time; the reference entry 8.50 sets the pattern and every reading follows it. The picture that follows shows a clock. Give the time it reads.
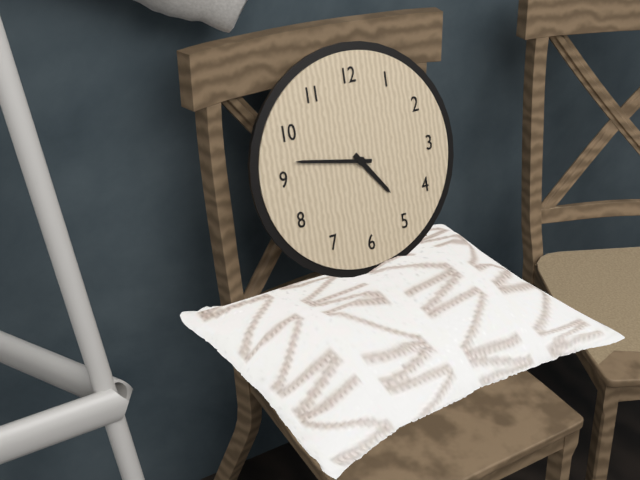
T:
4.47
